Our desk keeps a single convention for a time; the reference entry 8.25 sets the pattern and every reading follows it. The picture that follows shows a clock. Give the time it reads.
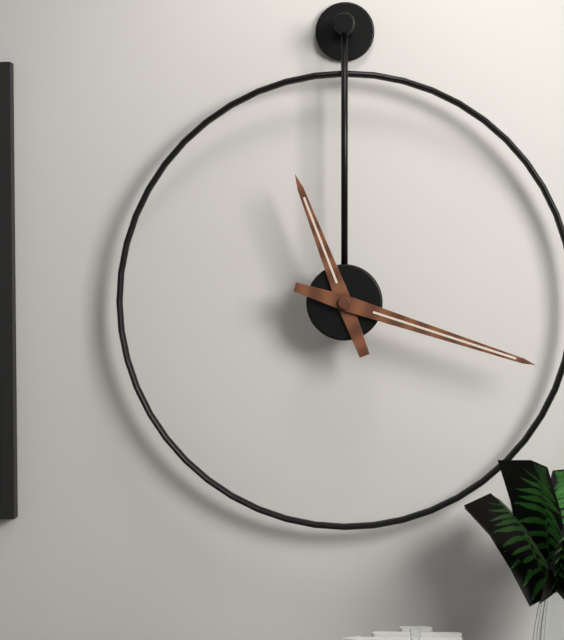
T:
11.18
